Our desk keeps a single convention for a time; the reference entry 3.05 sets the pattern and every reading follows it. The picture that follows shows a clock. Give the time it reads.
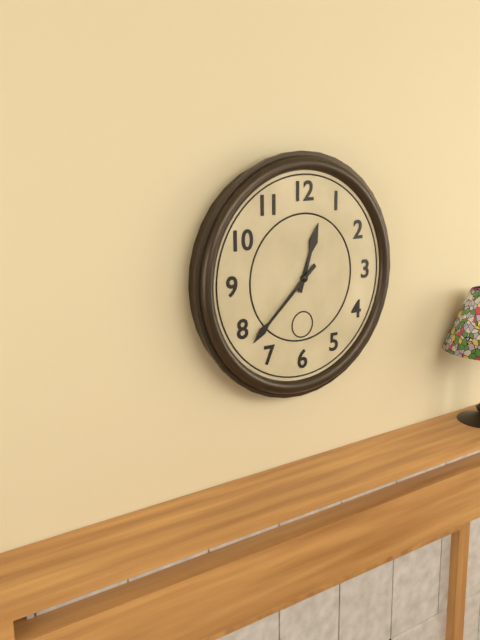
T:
12.38
